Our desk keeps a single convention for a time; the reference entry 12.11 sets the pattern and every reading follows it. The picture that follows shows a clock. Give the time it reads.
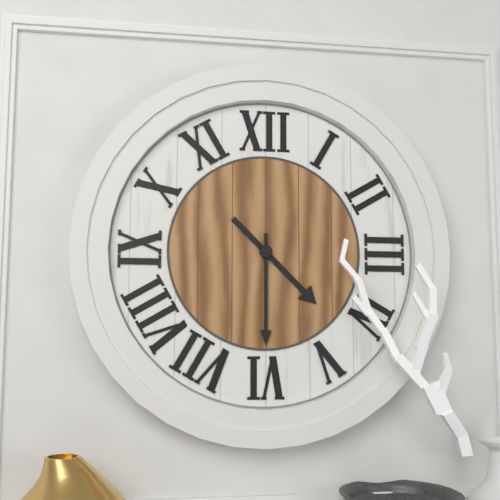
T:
4.30
